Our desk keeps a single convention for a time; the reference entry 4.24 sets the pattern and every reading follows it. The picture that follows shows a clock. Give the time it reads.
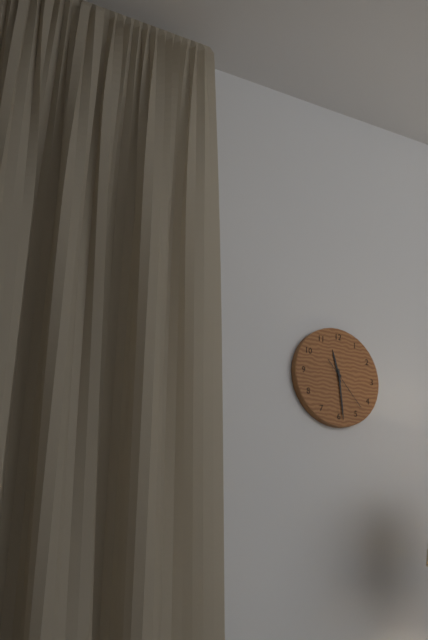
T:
11.29
